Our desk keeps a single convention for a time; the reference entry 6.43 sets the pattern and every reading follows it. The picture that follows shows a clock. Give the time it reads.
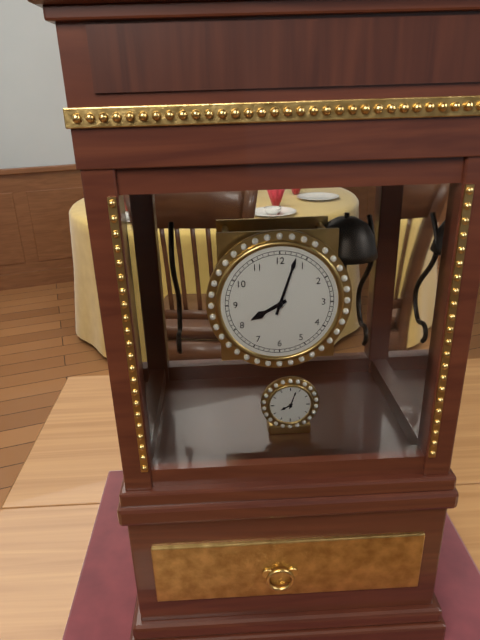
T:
8.03
